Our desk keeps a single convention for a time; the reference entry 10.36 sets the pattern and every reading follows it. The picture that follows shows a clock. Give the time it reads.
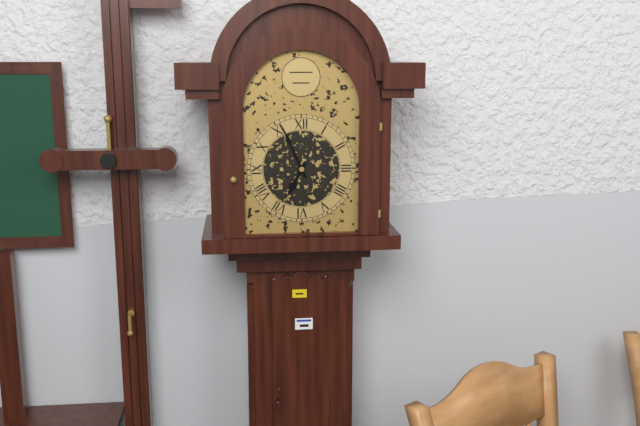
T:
6.56
